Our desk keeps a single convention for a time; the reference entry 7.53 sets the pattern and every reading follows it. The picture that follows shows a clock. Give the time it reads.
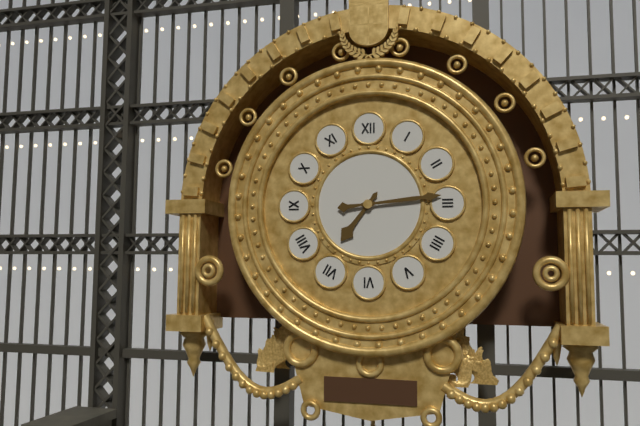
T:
7.14
